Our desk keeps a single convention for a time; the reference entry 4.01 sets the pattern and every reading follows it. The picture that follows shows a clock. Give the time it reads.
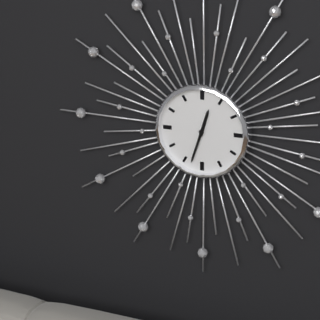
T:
12.33
